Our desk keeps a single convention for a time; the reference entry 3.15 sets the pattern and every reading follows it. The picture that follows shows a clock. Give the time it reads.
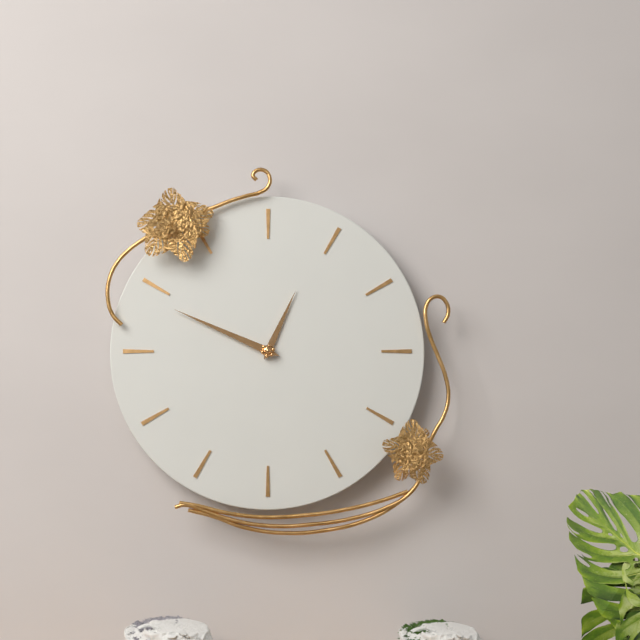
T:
12.49
